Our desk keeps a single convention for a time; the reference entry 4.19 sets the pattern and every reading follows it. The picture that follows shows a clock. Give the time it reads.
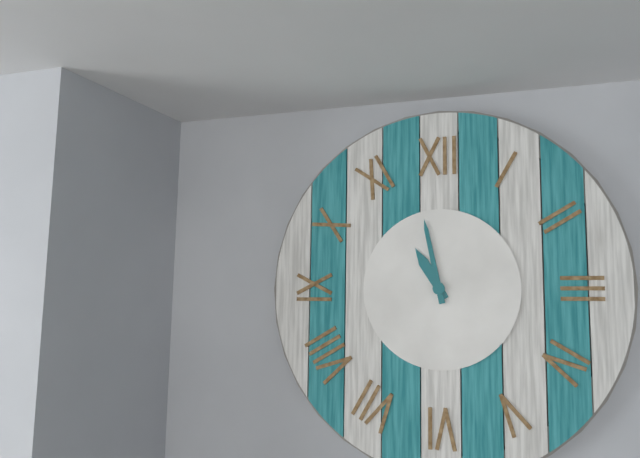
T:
10.58
